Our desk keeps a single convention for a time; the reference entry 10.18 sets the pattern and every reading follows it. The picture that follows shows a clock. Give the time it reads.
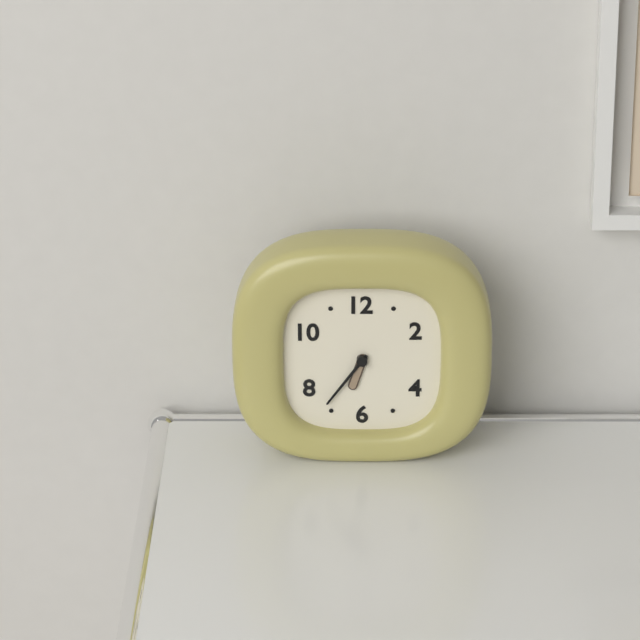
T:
6.36
